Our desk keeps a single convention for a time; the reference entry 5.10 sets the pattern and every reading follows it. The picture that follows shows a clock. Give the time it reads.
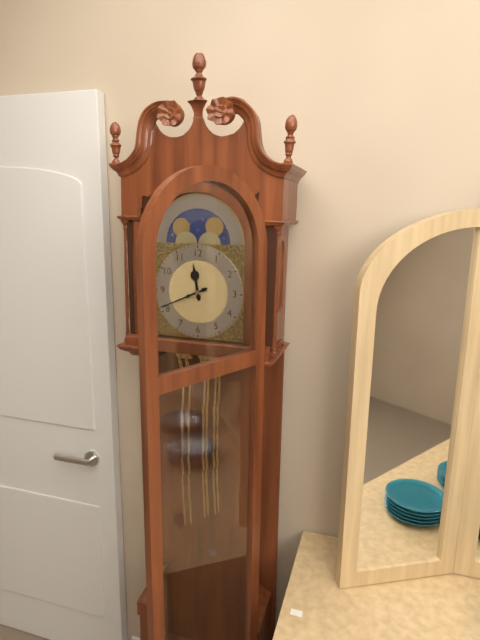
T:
11.41
